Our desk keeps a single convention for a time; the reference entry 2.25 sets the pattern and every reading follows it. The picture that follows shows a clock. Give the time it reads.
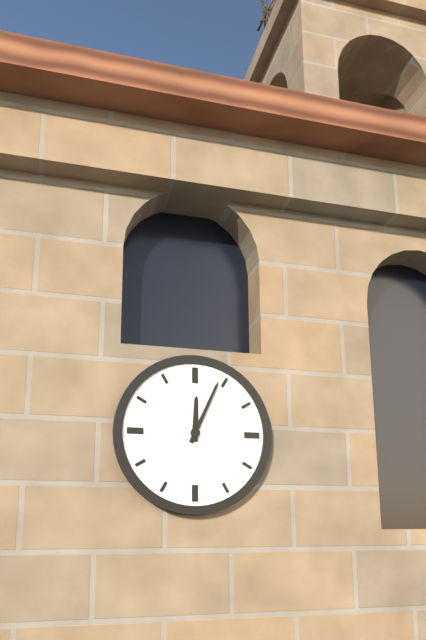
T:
12.04
